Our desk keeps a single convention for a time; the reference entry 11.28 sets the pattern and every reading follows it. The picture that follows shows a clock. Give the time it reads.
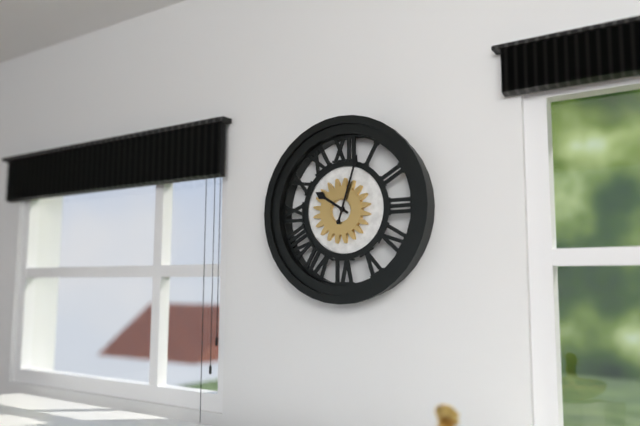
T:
10.03
